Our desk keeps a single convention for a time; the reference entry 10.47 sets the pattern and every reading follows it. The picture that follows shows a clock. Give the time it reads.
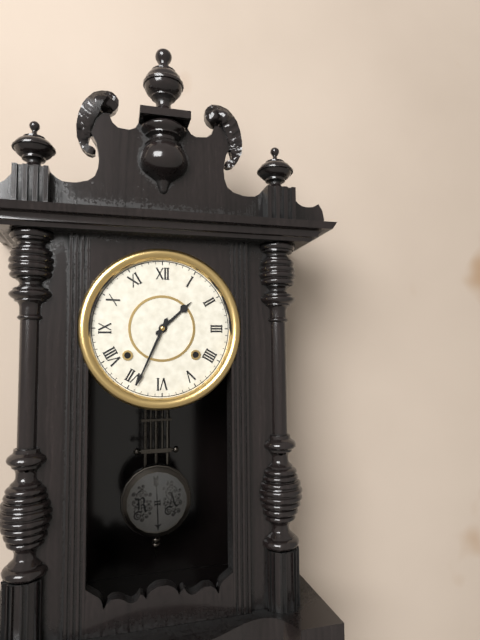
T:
1.34
